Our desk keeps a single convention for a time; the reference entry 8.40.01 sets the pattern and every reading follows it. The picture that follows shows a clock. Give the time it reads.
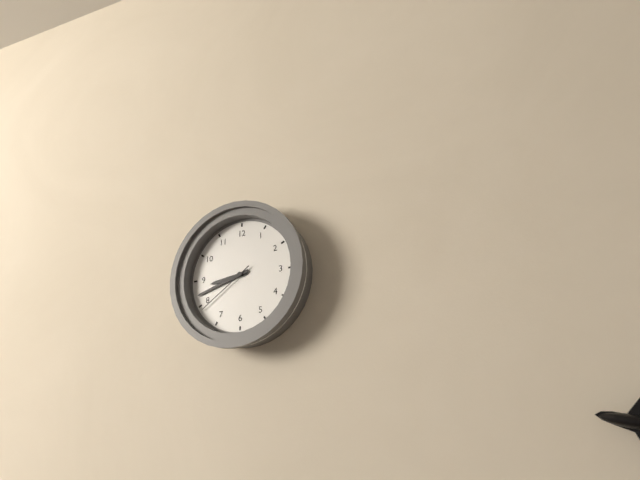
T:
8.42.39
